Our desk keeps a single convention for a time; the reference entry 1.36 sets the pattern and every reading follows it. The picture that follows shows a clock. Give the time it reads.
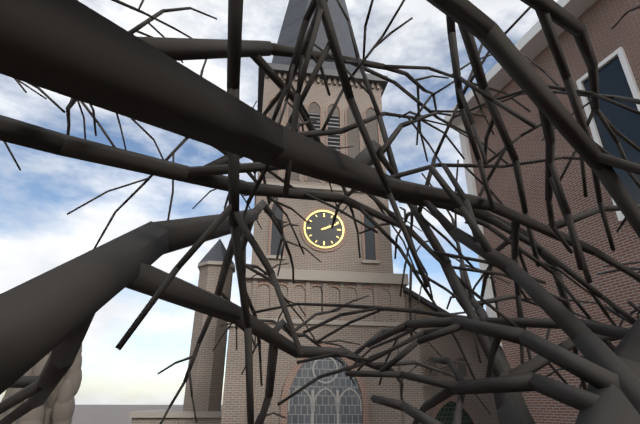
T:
2.11
